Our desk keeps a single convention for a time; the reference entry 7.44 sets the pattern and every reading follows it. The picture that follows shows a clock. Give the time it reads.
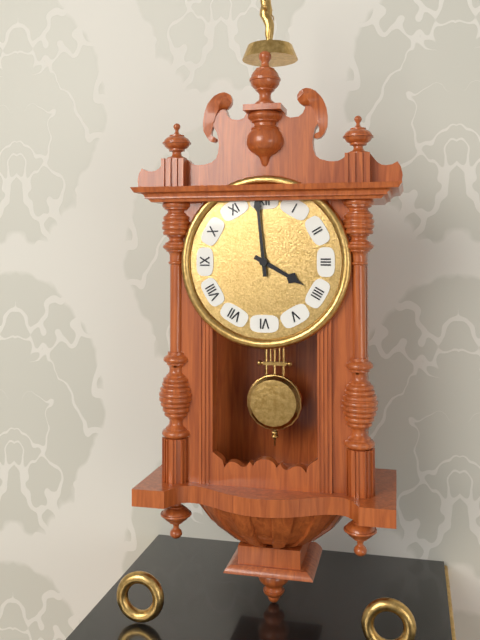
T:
3.59
